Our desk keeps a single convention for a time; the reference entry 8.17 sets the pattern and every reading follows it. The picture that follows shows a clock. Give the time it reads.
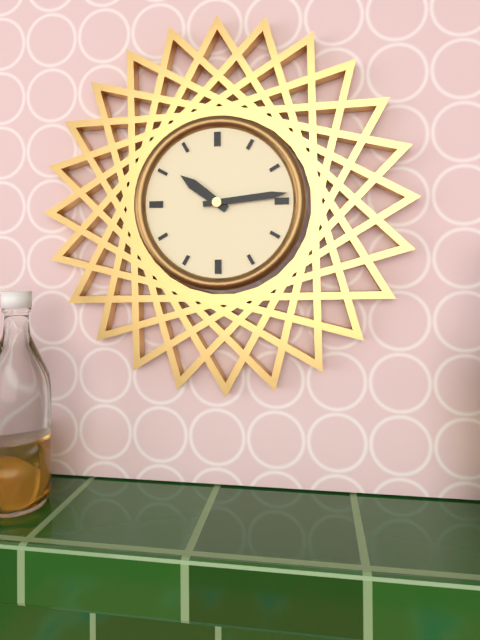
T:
10.14
